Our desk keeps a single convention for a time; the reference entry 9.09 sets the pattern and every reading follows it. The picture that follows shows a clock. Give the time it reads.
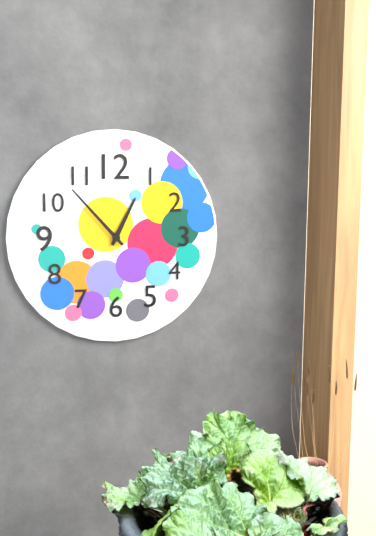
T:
12.53
